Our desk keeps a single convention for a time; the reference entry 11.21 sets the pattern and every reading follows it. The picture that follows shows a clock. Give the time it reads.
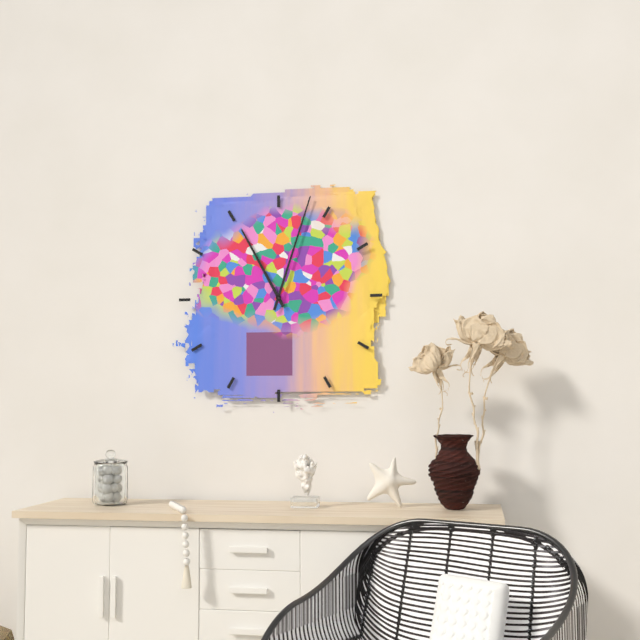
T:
11.03
